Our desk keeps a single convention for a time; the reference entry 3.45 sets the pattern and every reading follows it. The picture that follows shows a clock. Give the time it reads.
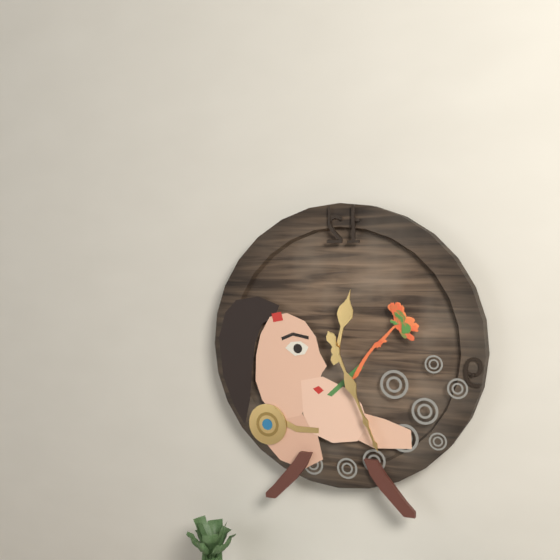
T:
12.26
